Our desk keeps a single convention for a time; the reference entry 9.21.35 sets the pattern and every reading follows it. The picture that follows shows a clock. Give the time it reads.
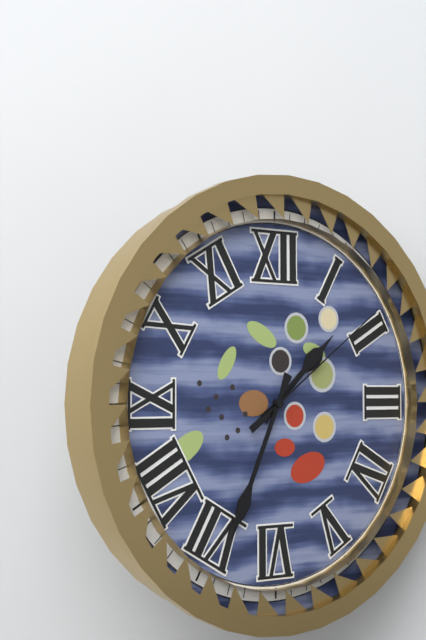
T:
1.34.09
